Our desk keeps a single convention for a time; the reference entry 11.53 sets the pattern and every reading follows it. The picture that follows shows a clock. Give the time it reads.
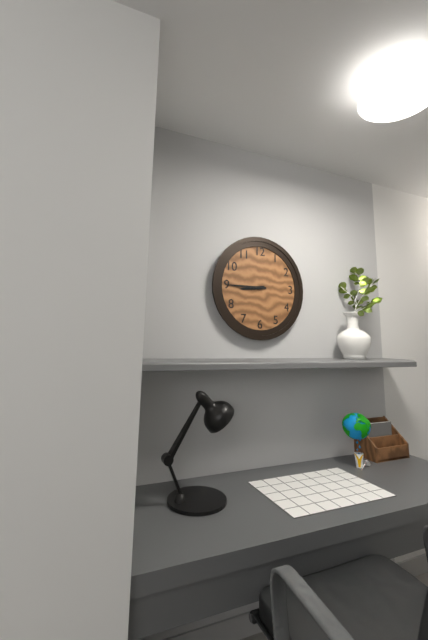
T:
8.45
